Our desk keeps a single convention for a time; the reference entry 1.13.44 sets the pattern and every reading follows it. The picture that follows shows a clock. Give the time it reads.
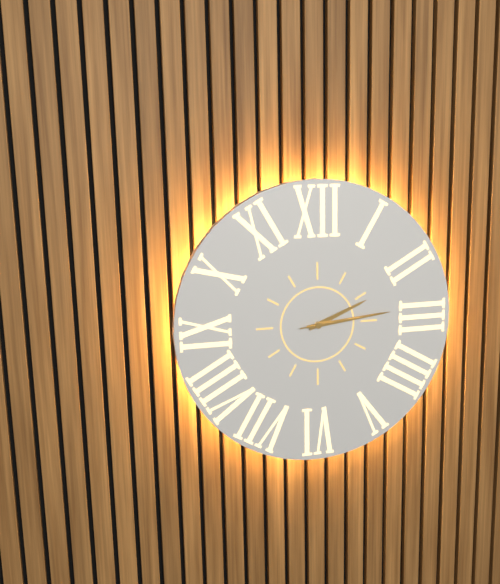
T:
2.14.14
